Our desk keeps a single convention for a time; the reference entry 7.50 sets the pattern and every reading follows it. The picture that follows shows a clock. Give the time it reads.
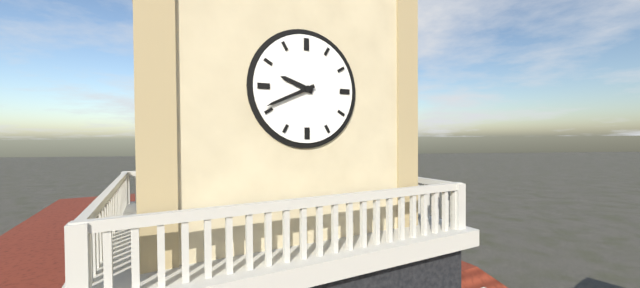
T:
9.41
